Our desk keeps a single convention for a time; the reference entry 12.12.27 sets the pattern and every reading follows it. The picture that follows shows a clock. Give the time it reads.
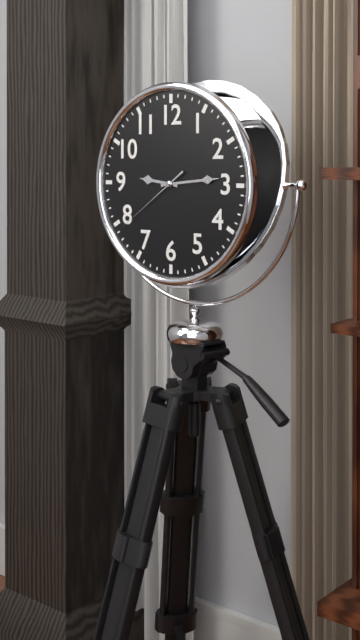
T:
9.14.39
